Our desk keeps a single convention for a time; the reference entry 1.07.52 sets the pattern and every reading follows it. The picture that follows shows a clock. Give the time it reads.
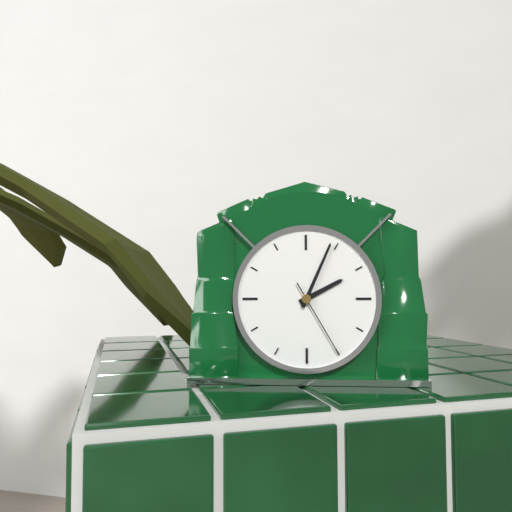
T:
2.04.25
